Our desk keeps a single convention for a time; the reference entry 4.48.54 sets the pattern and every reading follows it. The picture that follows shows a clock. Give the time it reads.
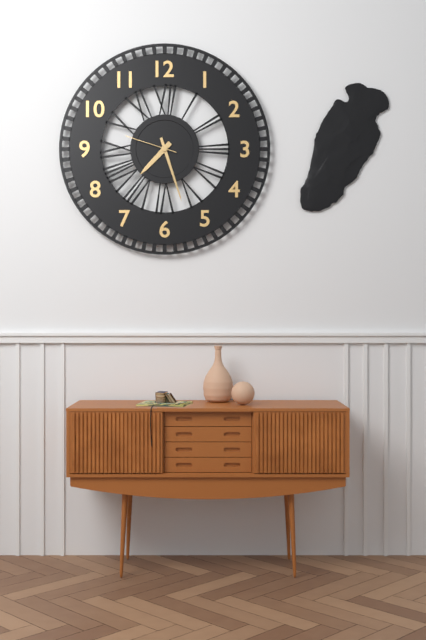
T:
7.27.48
